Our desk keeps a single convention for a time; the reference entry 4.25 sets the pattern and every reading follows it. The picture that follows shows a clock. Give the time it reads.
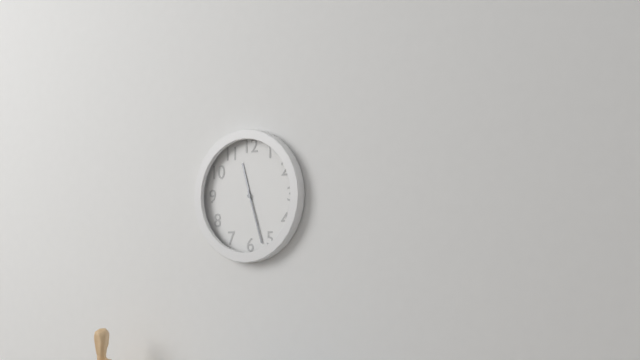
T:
11.27
